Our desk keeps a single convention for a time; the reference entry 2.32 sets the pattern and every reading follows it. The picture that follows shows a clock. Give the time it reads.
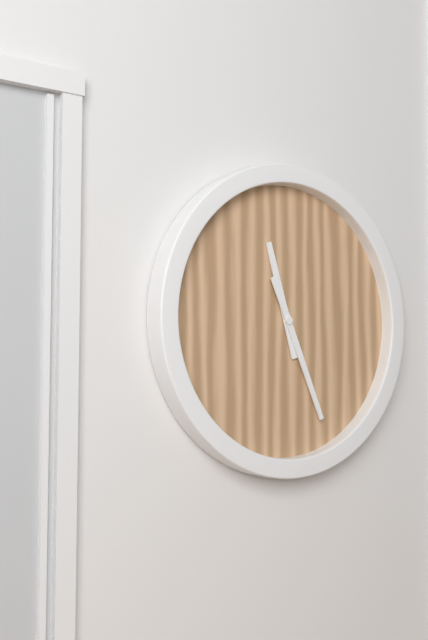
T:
11.26
